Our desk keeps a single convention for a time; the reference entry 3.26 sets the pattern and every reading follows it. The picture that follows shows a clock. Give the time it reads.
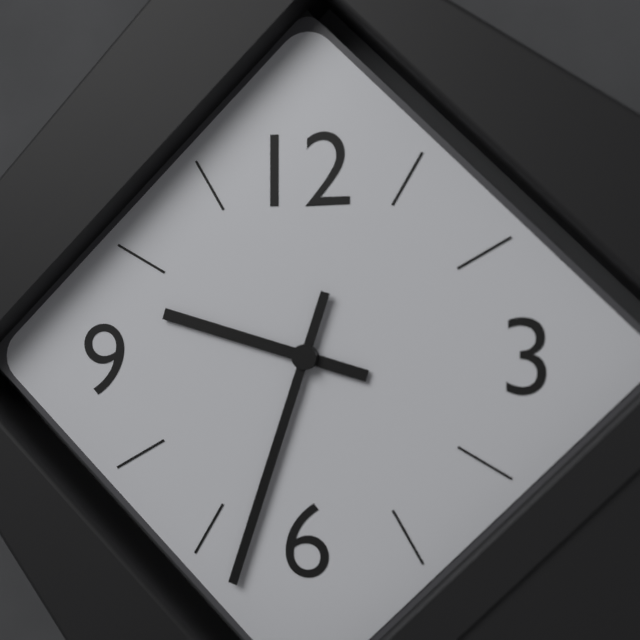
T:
9.33
